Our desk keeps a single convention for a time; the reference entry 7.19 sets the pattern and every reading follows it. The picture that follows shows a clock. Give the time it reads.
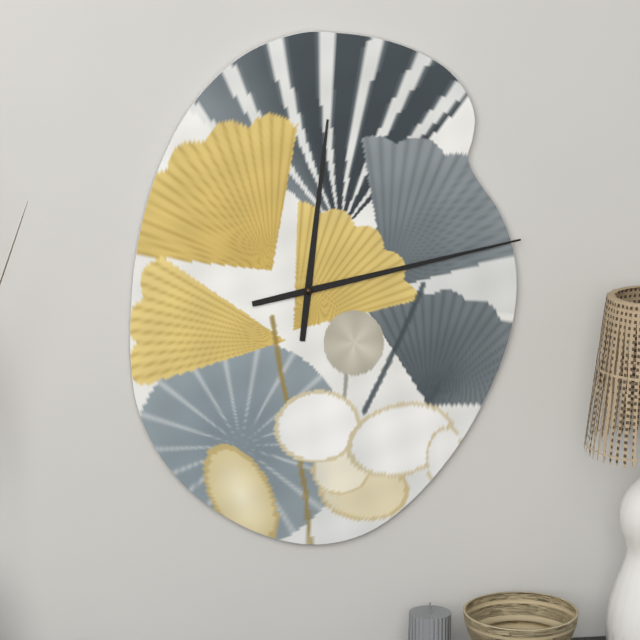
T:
12.13
